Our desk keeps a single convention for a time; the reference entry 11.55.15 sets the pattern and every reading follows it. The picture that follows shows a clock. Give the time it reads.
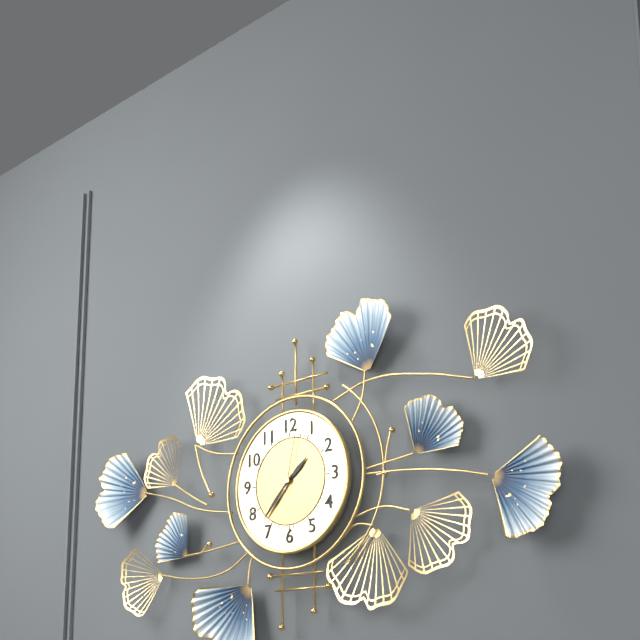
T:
1.37.02
